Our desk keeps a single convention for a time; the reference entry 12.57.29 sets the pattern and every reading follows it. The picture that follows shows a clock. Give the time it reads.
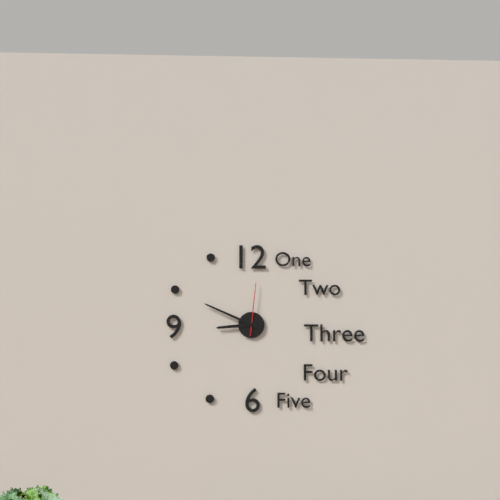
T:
8.49.01
